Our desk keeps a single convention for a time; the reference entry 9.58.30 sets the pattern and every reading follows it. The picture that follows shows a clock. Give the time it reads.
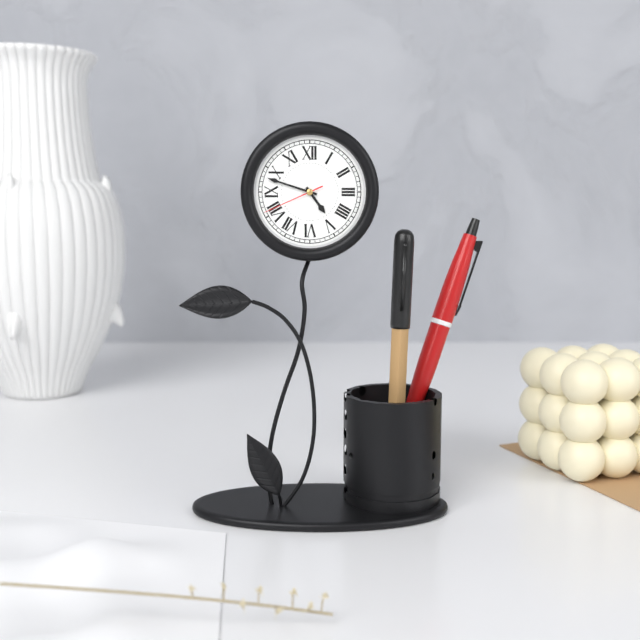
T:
4.48.41
